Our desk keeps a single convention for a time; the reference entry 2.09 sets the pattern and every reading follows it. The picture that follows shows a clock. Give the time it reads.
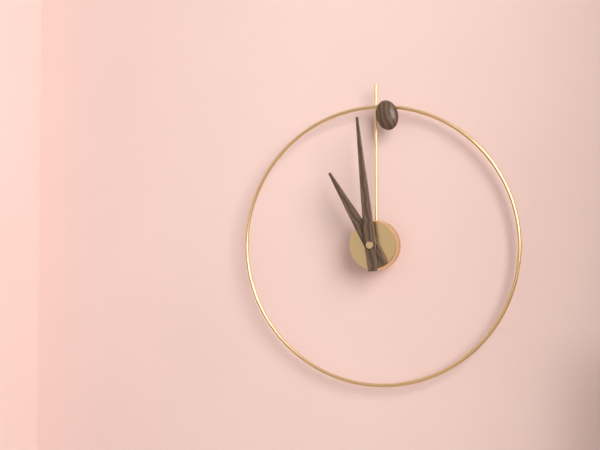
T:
10.59
